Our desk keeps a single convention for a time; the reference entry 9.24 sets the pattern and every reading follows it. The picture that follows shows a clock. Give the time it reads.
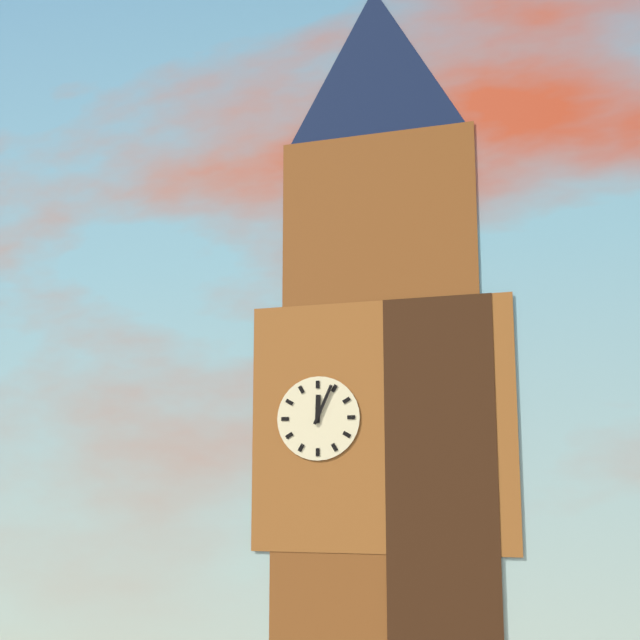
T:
12.04
